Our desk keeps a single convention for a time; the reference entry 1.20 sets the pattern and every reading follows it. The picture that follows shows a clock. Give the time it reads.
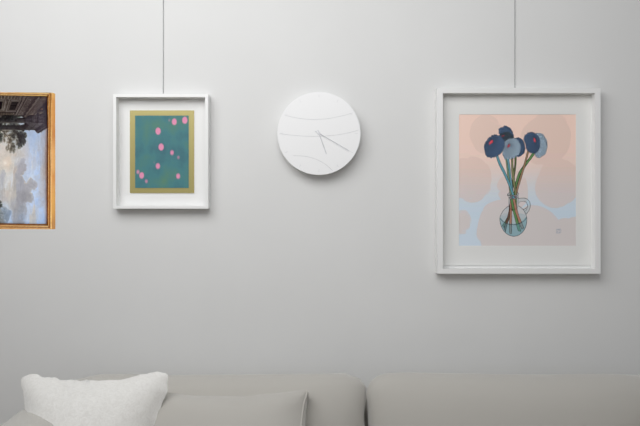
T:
5.20
